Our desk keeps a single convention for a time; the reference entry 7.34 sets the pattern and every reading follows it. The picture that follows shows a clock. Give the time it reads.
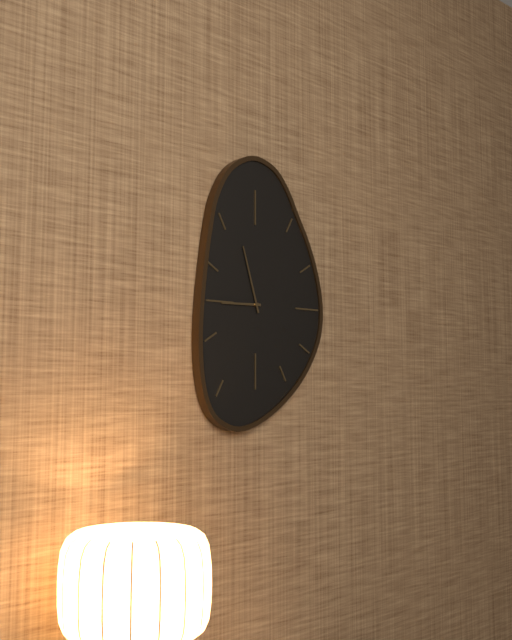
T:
8.57
